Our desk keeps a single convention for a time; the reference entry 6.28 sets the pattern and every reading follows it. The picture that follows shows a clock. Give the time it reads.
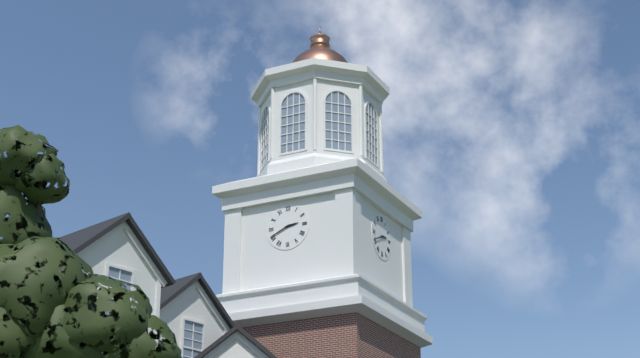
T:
2.41
